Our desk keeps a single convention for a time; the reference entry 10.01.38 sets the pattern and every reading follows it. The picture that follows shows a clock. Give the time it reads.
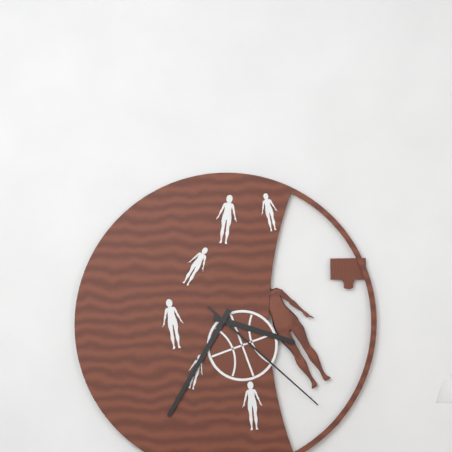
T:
3.35.22
